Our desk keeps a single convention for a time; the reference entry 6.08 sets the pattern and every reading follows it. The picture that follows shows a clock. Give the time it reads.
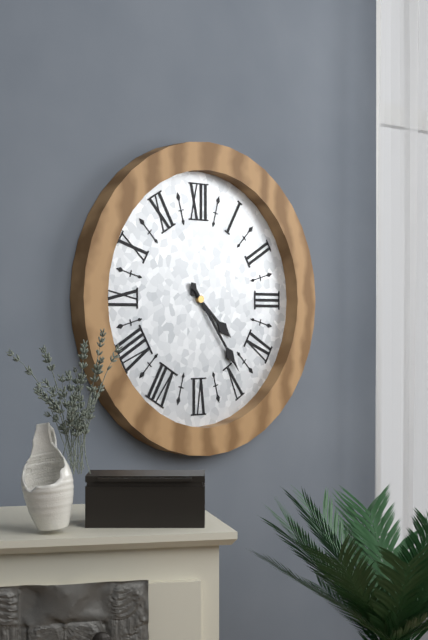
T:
4.24
